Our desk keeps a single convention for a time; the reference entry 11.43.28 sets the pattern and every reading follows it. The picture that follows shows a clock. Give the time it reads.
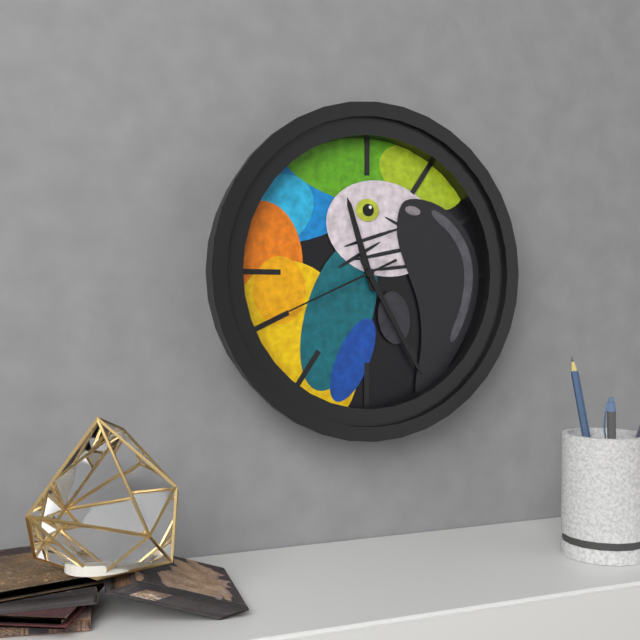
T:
11.25.41
